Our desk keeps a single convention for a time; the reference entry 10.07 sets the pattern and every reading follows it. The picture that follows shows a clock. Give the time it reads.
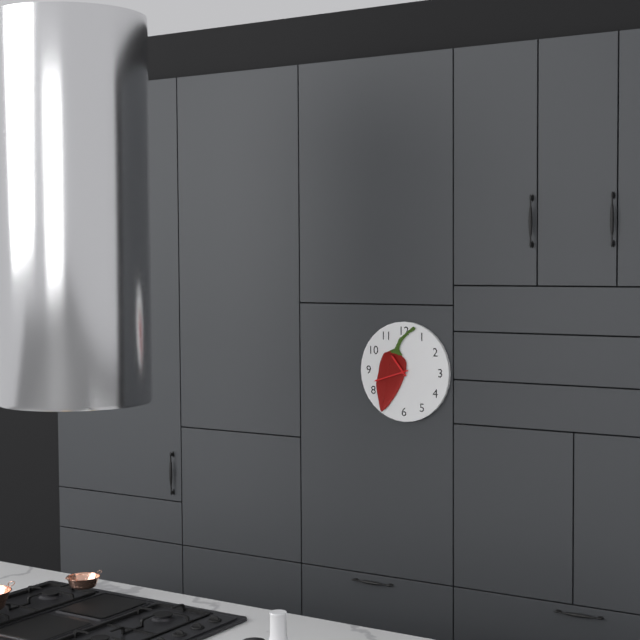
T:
10.42
